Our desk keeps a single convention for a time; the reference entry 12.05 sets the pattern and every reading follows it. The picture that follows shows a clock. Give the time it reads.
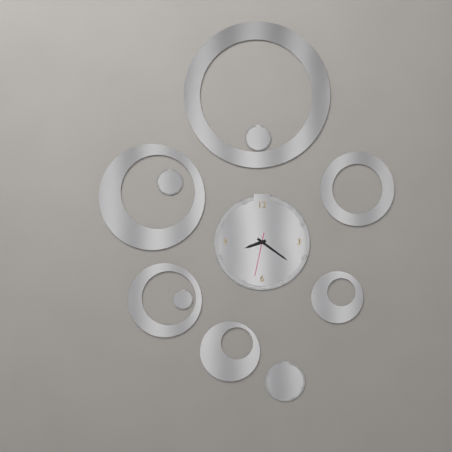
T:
8.21
